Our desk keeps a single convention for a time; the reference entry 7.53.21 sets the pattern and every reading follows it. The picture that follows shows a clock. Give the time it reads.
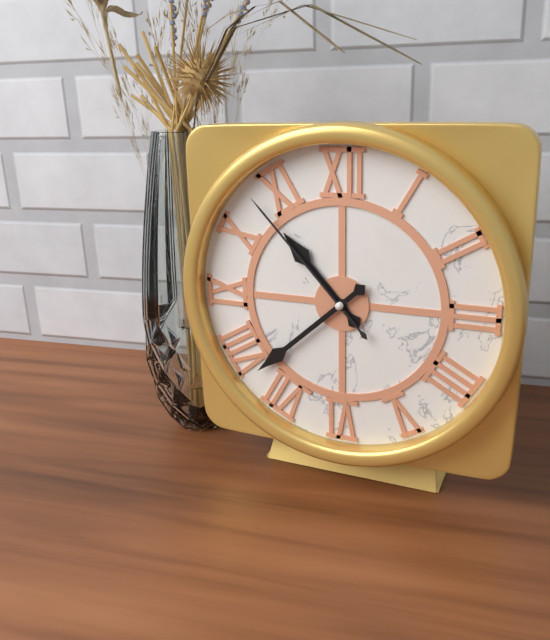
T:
10.38.53
